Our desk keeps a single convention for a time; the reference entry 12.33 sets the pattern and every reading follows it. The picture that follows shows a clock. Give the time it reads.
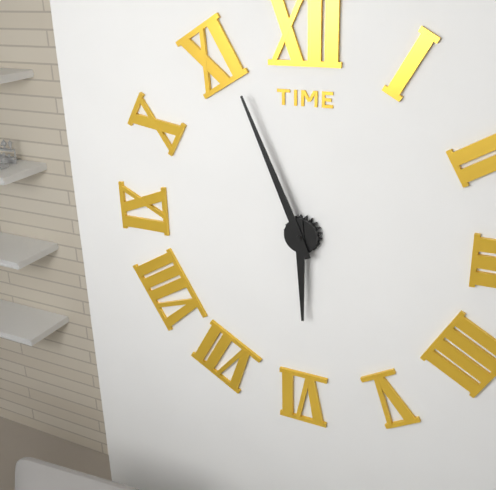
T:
5.56
